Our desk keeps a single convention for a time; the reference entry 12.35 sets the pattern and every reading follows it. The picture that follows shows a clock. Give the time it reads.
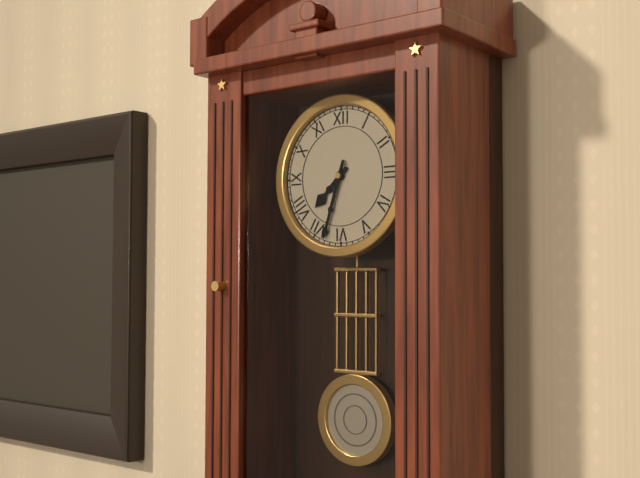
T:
7.33
